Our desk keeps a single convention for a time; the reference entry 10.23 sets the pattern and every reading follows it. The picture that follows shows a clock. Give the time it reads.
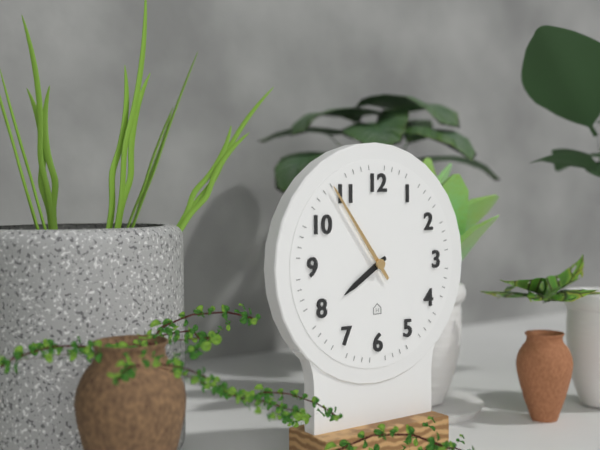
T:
7.54
